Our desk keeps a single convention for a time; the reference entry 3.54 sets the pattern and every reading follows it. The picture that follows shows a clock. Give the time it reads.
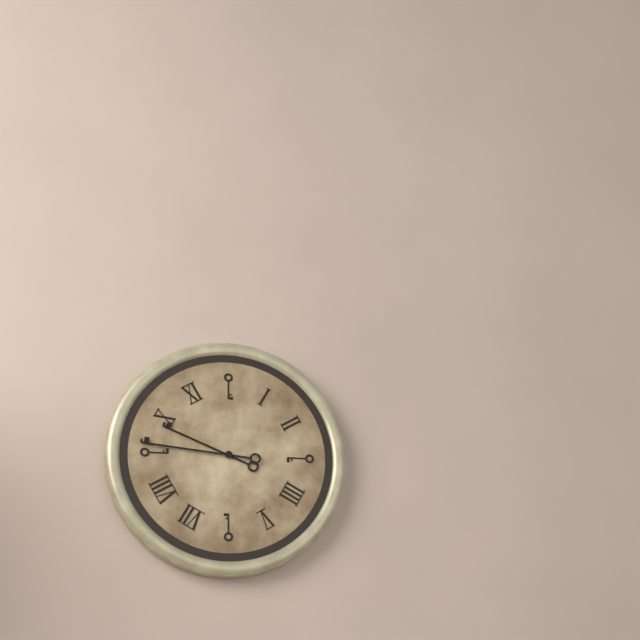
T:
9.46
